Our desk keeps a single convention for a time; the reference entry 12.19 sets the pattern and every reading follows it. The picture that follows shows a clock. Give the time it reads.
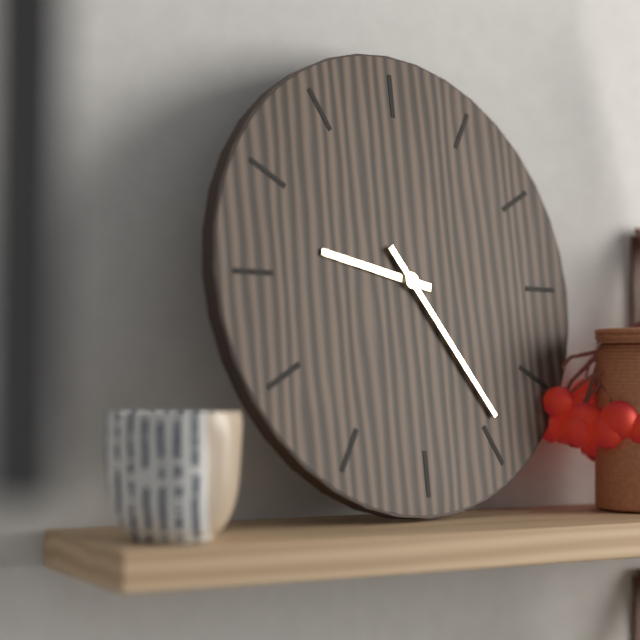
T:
9.24
